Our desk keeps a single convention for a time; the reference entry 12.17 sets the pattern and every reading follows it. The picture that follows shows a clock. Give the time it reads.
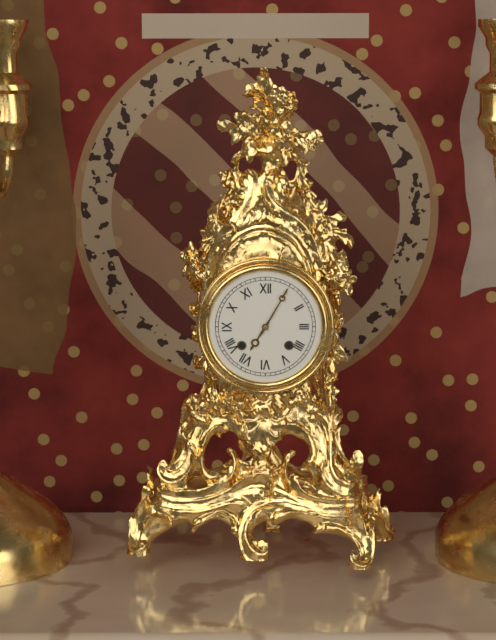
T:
7.05
